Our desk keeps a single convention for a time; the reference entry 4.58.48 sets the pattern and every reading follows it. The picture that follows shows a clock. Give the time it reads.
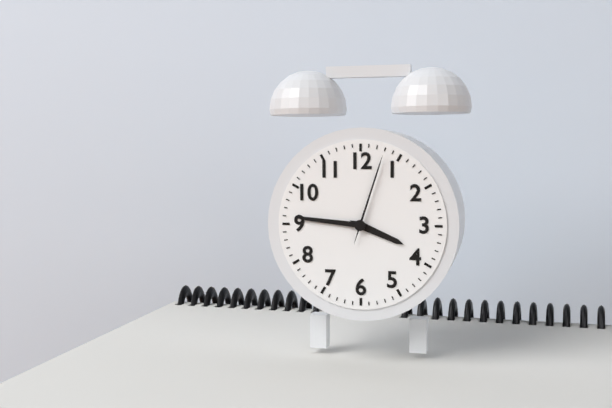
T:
3.46.03
